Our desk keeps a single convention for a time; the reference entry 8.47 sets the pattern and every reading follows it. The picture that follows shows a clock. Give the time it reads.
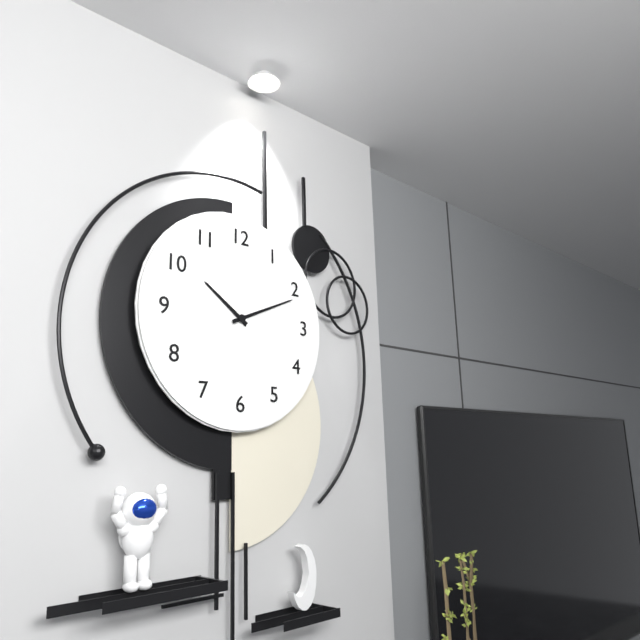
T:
10.11
